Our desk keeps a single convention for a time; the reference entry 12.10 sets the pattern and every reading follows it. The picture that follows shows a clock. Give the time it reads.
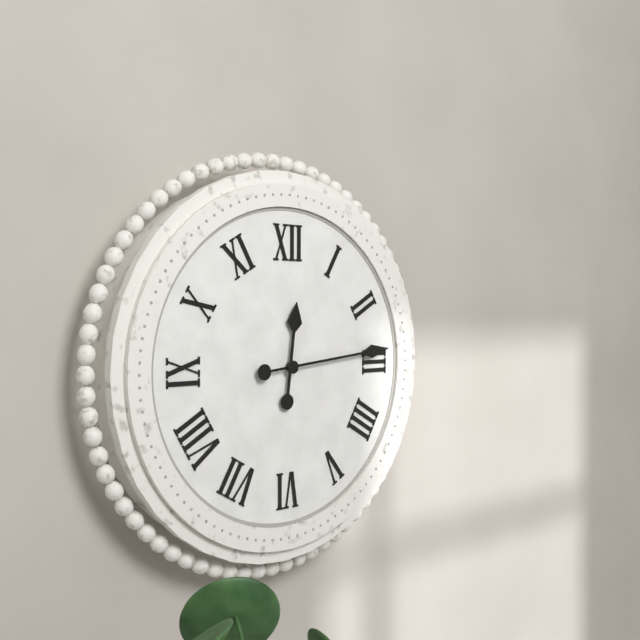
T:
12.14
